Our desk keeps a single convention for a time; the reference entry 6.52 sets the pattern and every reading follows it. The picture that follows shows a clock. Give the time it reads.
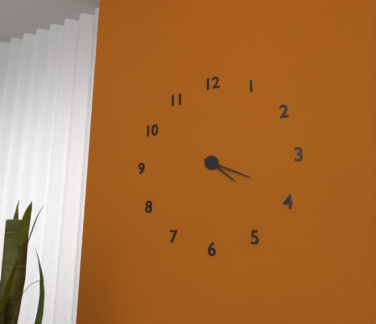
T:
4.19
